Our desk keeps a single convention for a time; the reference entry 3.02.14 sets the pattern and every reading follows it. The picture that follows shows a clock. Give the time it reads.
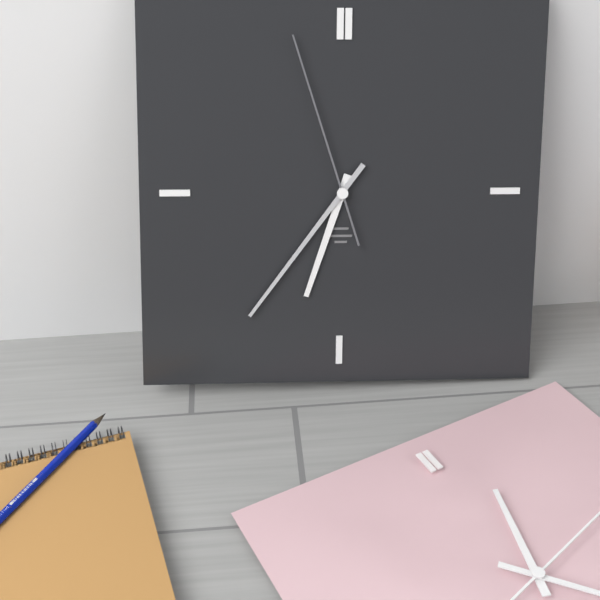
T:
6.36.57
